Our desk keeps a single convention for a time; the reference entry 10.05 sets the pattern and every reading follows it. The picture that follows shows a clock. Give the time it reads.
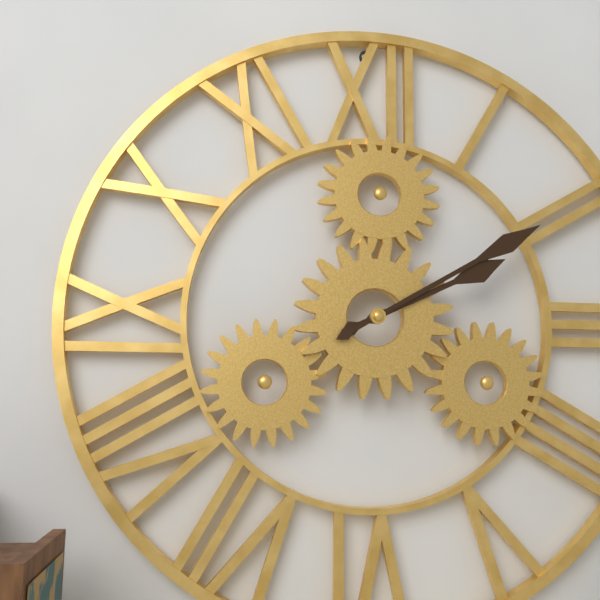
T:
2.10
